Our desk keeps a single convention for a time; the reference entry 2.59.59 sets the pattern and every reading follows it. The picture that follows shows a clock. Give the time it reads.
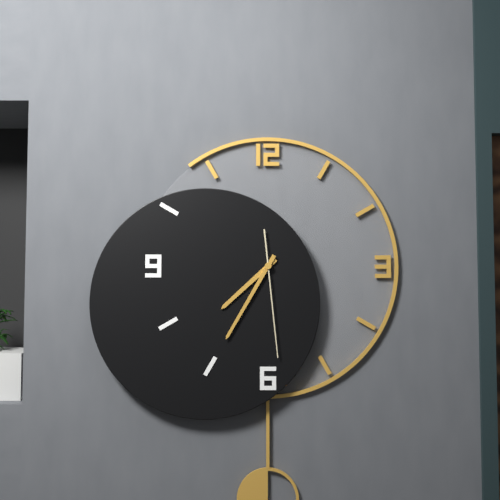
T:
7.35.29
